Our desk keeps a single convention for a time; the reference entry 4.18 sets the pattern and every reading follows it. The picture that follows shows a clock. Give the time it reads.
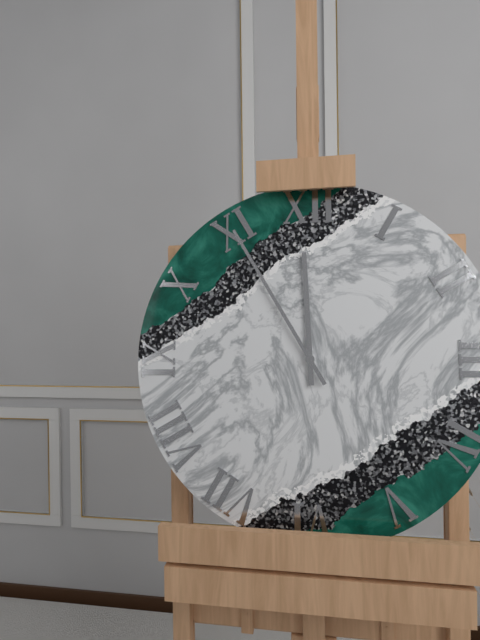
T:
11.55
